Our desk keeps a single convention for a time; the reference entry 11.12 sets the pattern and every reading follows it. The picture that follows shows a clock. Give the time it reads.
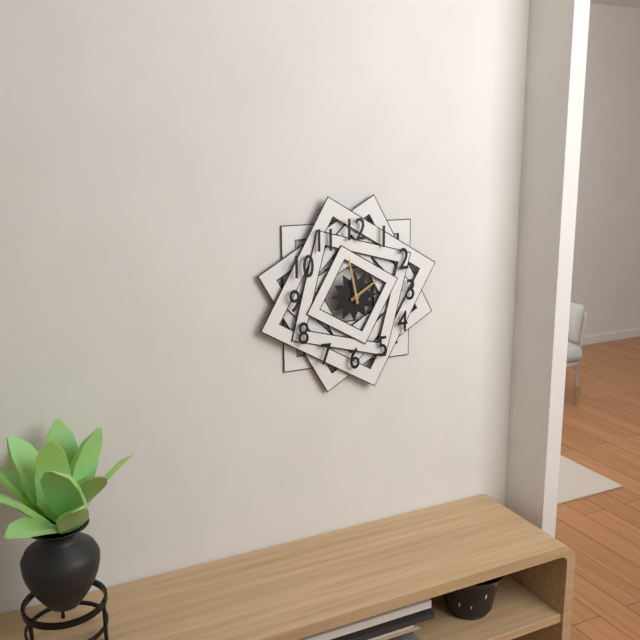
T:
1.58
